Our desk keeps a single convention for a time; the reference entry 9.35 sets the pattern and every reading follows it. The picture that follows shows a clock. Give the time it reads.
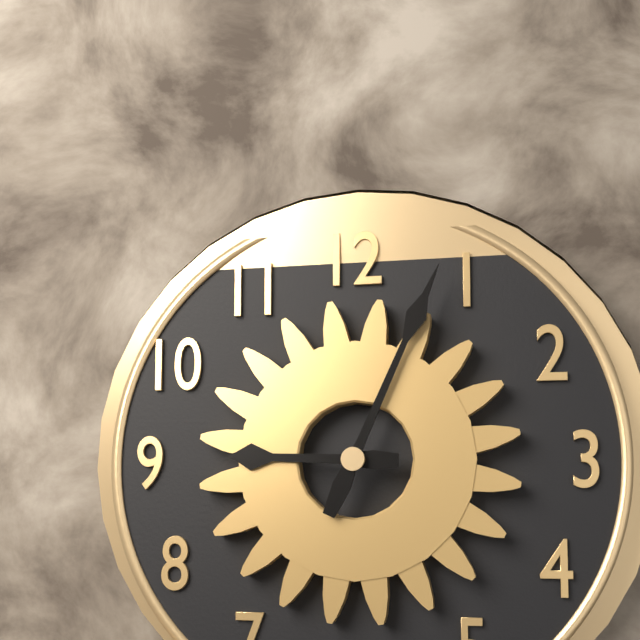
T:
9.04
